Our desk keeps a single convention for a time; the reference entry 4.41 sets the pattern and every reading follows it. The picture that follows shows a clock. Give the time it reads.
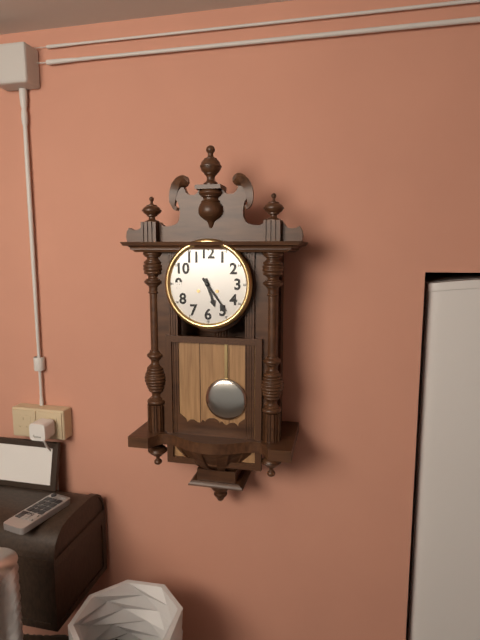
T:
5.24
